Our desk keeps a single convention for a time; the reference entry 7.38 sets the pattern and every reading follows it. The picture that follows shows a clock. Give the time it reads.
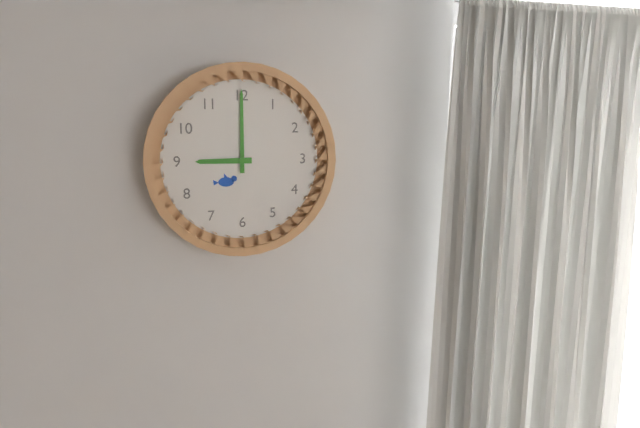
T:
9.00
